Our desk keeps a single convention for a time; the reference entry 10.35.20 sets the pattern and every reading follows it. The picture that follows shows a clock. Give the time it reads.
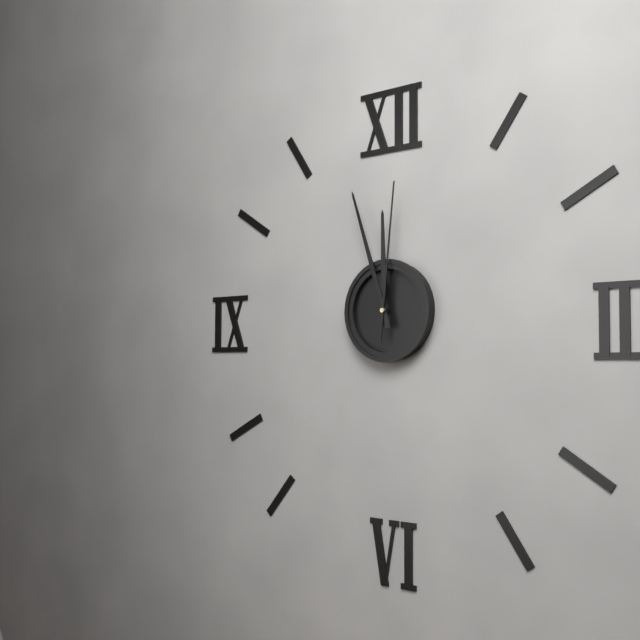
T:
11.57.01
